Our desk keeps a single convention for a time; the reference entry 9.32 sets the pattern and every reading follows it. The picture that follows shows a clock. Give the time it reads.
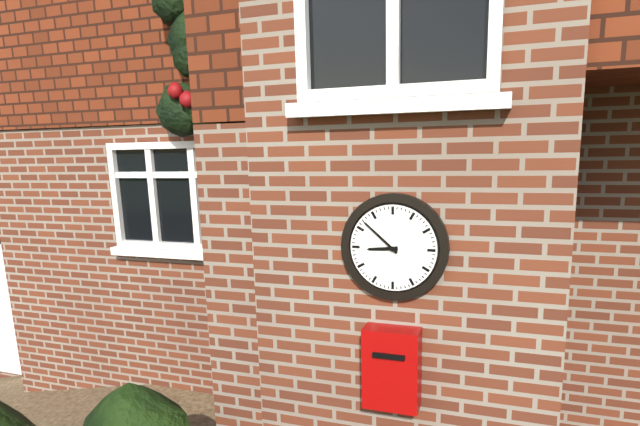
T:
8.52
